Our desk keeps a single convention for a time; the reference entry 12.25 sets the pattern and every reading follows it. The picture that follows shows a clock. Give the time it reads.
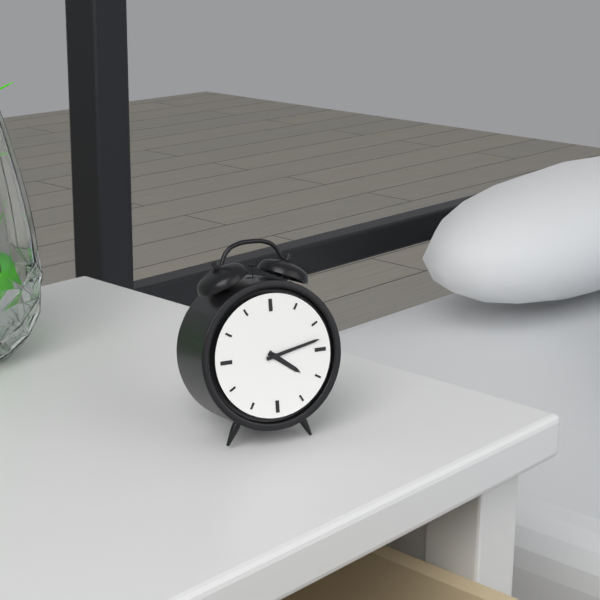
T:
4.13
